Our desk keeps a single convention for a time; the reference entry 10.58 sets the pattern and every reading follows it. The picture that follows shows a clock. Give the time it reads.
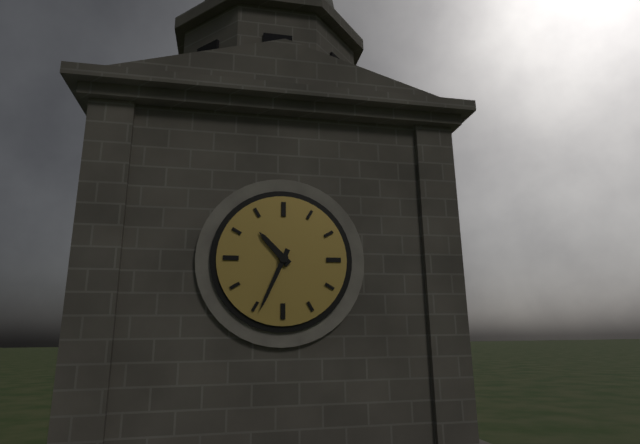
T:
10.34
